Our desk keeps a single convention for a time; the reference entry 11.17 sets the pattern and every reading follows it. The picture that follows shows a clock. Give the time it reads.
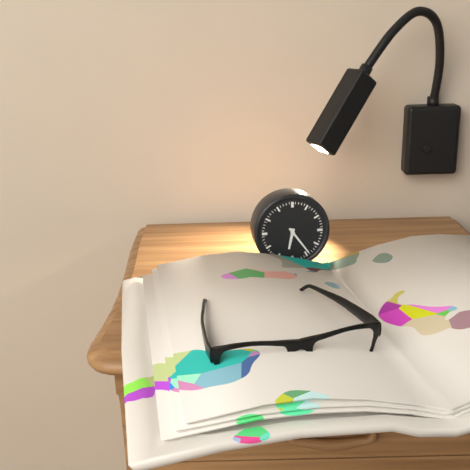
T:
6.24
